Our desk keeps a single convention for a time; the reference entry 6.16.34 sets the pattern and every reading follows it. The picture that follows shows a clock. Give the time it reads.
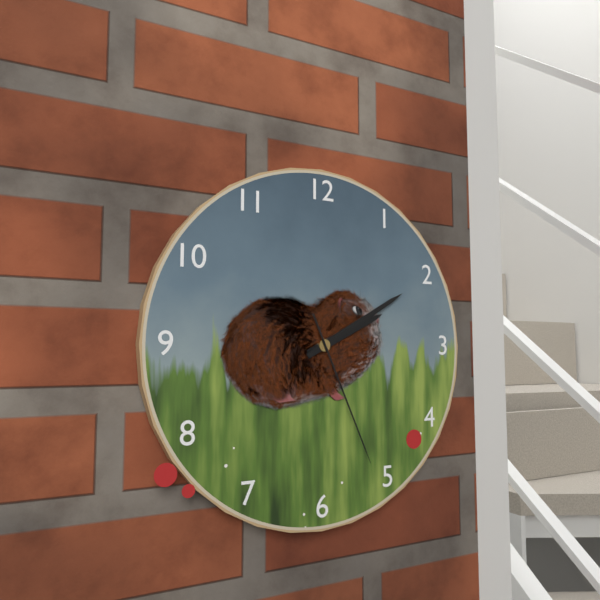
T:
2.10.26
